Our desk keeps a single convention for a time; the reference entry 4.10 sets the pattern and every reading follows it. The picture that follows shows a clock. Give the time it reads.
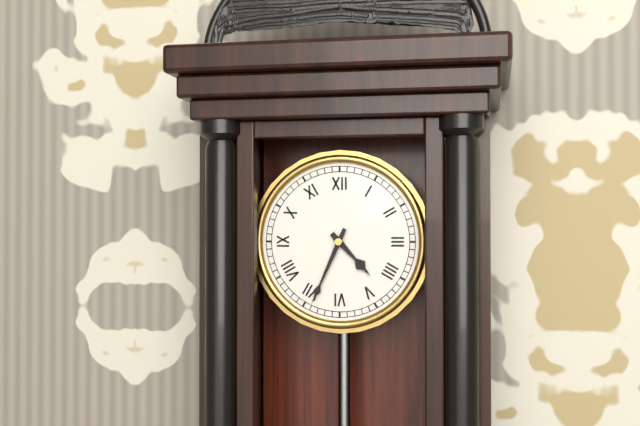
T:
4.34
